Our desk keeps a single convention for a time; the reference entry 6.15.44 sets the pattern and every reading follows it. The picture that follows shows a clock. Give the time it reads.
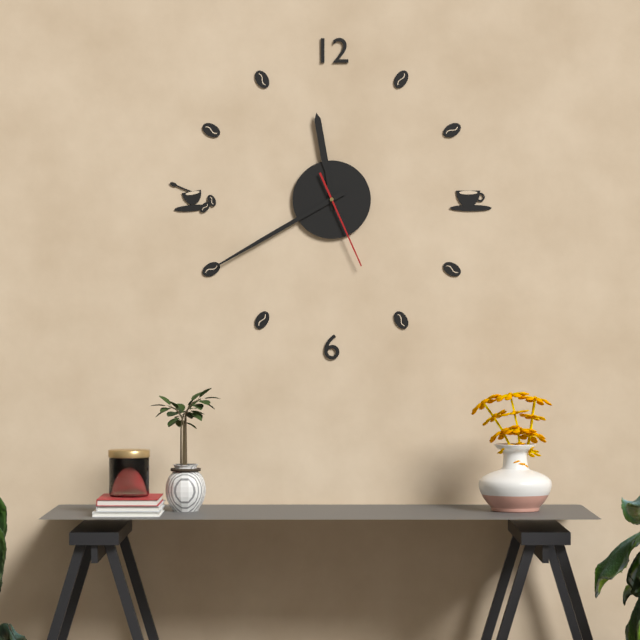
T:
11.40.26
